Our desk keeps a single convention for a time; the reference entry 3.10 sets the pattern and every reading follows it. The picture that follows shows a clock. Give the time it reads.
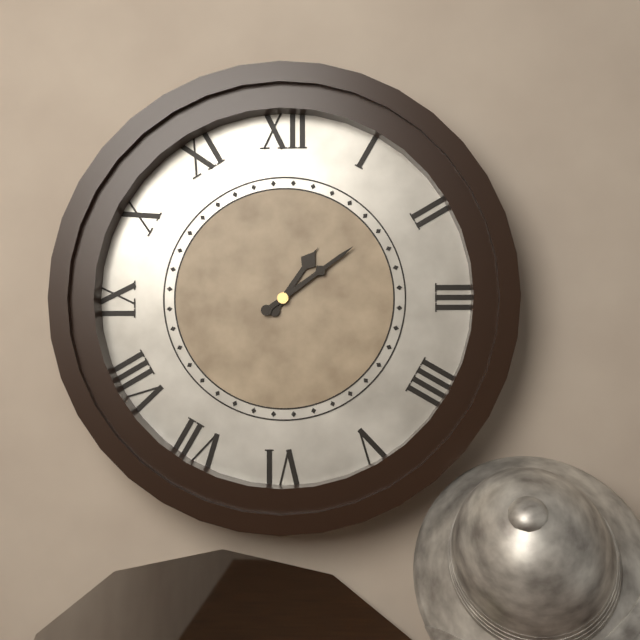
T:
1.09
